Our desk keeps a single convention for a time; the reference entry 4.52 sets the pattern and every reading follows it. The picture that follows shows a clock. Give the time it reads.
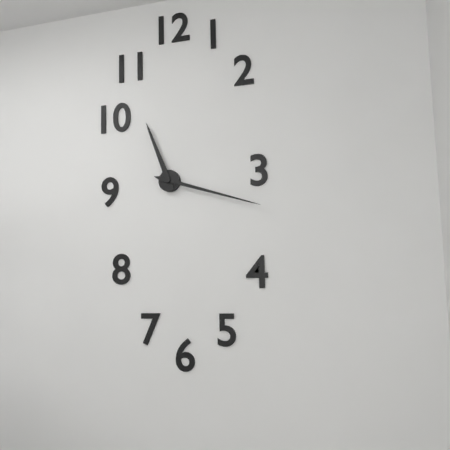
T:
11.18
